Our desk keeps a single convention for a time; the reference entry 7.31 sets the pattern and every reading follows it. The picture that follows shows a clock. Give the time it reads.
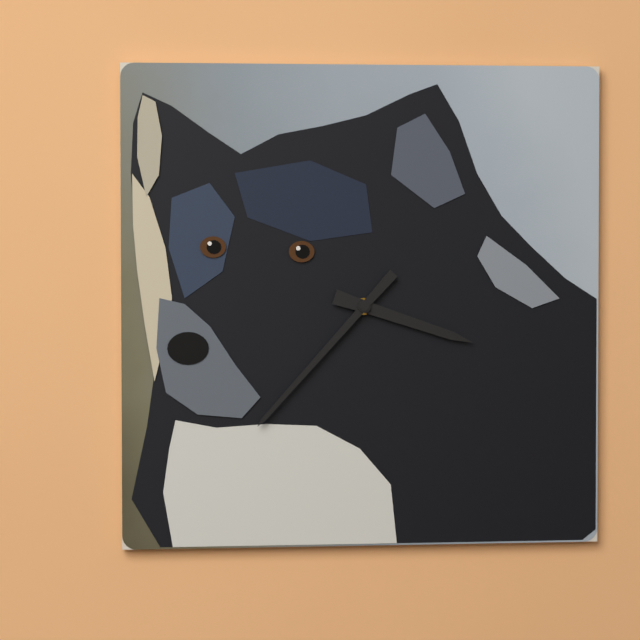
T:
3.37
